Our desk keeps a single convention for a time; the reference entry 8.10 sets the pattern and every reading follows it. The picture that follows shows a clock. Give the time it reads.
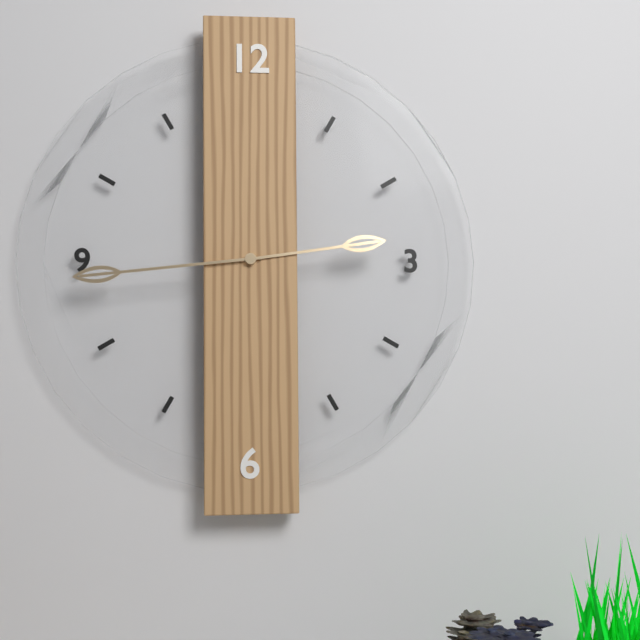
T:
2.44
